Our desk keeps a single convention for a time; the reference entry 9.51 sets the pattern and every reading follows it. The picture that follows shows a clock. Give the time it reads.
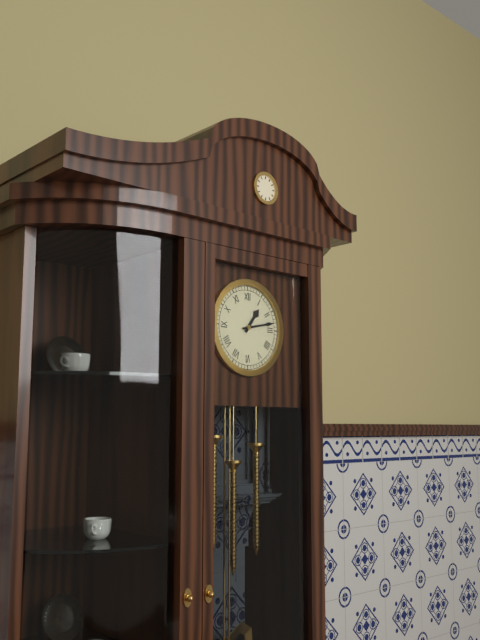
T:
1.13
